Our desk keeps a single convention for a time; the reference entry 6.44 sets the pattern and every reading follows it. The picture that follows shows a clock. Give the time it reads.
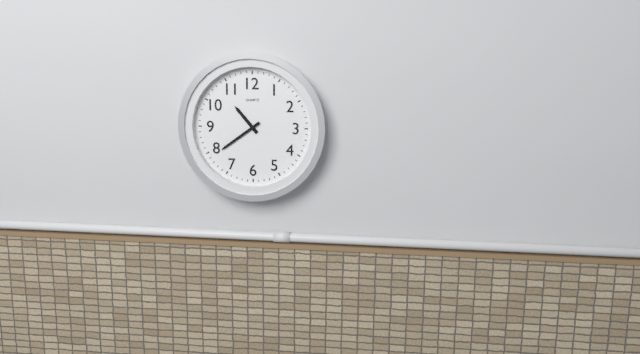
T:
10.39
